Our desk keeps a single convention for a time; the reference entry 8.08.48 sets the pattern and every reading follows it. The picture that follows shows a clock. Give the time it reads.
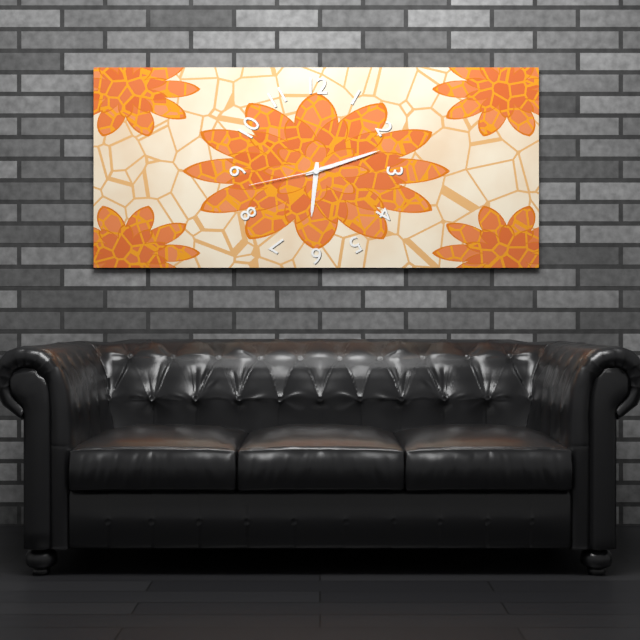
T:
6.12.43
